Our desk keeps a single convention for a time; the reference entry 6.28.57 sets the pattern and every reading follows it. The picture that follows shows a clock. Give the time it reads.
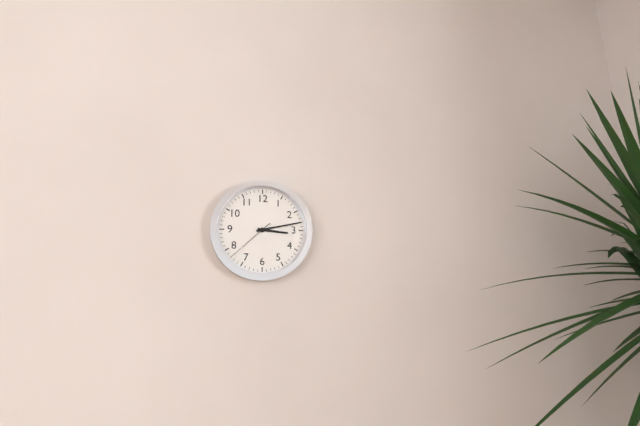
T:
3.13.38
